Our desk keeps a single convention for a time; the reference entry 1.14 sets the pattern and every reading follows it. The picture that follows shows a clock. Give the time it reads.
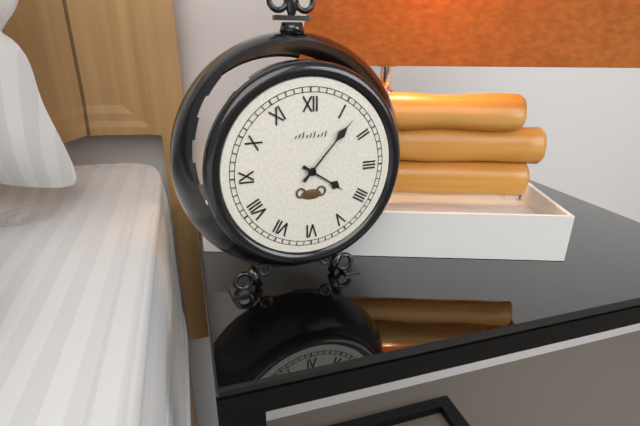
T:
4.07
